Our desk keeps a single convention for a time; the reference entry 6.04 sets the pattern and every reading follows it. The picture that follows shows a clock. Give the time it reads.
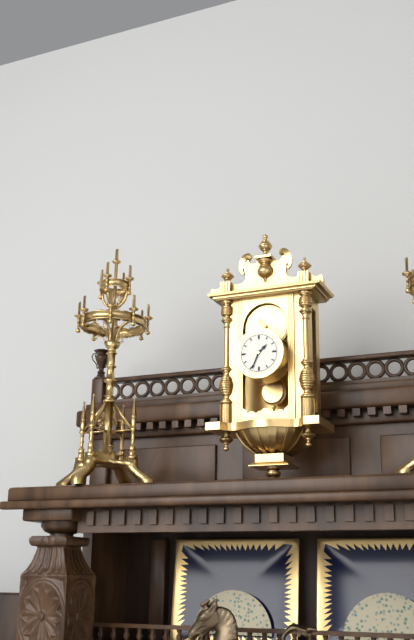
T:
1.34
